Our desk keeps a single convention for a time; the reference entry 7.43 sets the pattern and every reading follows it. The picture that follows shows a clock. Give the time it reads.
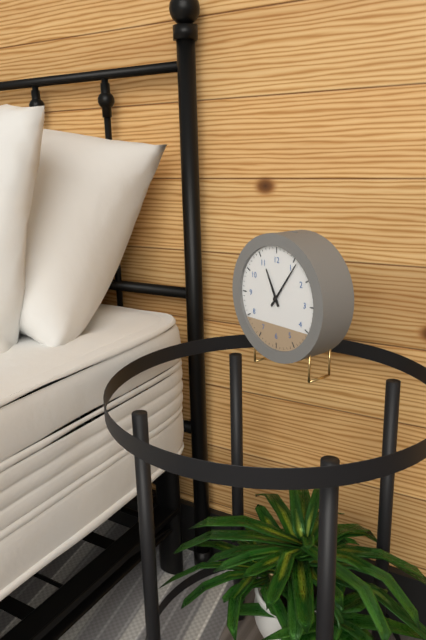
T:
11.06
